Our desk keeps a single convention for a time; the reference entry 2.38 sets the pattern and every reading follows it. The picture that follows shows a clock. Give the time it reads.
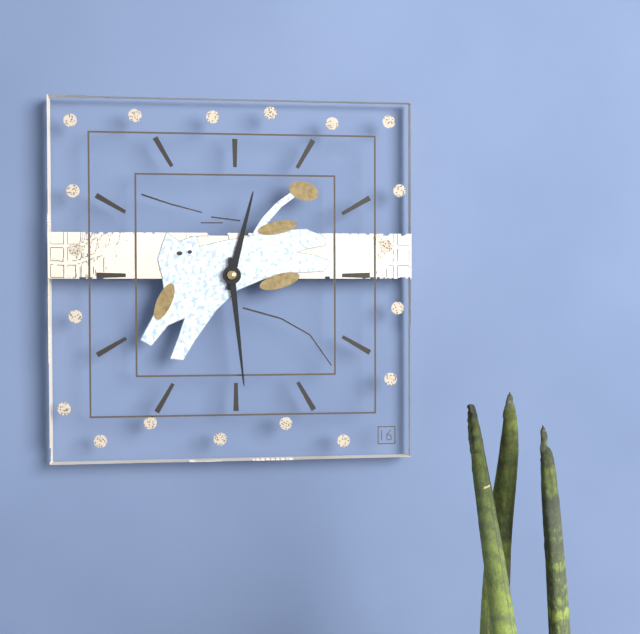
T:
12.29
